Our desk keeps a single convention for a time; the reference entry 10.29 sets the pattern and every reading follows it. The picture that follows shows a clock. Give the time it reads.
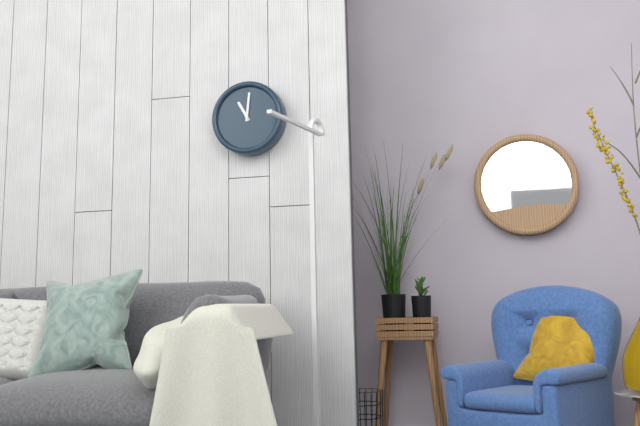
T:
11.01
